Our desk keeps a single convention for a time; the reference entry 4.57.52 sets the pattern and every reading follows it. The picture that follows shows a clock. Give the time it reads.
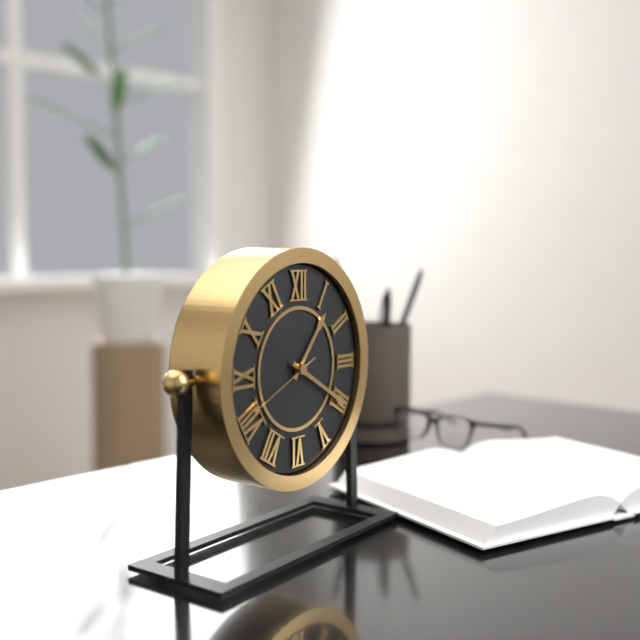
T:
1.20.41
